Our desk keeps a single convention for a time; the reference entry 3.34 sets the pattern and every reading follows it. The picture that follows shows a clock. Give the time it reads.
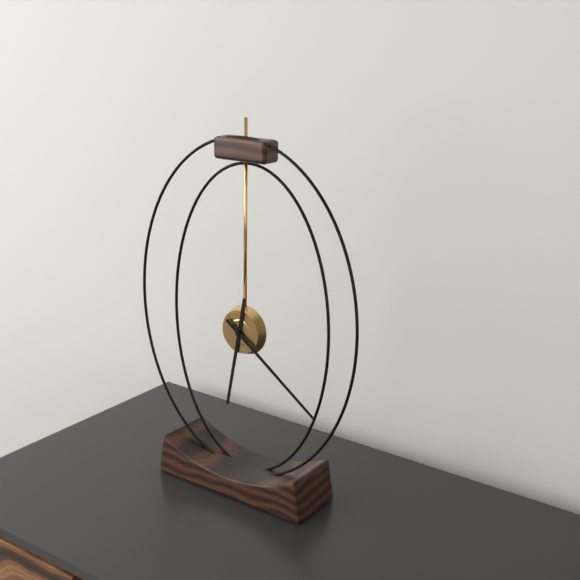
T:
6.21
